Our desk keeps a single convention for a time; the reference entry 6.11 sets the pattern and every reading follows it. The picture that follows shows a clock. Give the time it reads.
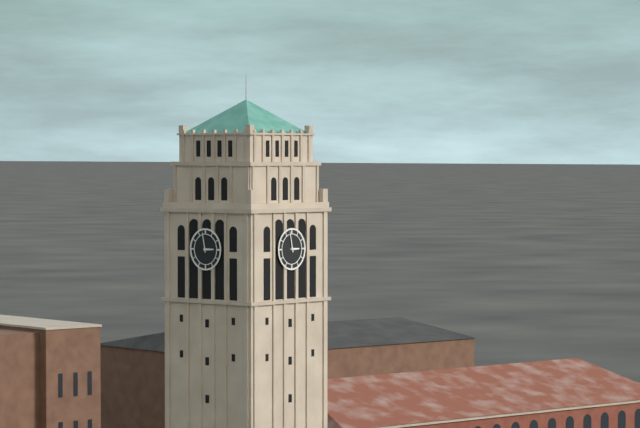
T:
2.58
